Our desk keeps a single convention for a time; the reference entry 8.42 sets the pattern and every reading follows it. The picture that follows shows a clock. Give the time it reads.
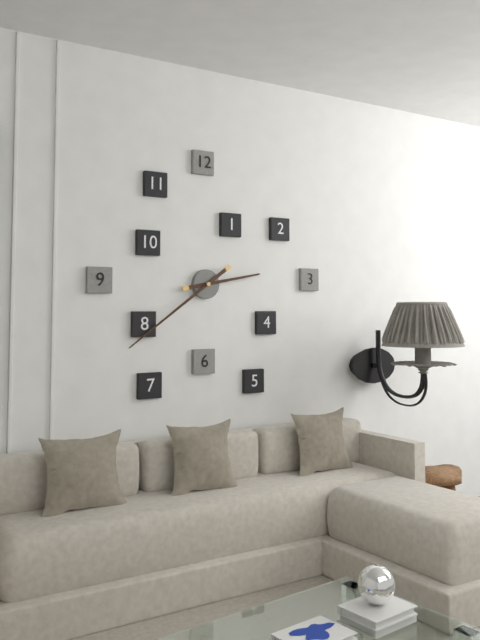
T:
2.39
